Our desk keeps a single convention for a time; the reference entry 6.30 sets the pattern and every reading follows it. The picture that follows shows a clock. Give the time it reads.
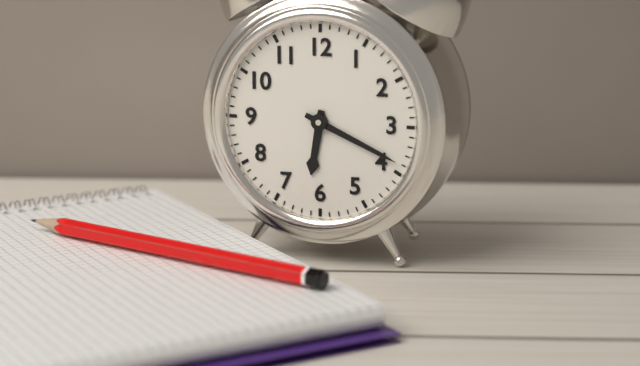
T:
6.19
